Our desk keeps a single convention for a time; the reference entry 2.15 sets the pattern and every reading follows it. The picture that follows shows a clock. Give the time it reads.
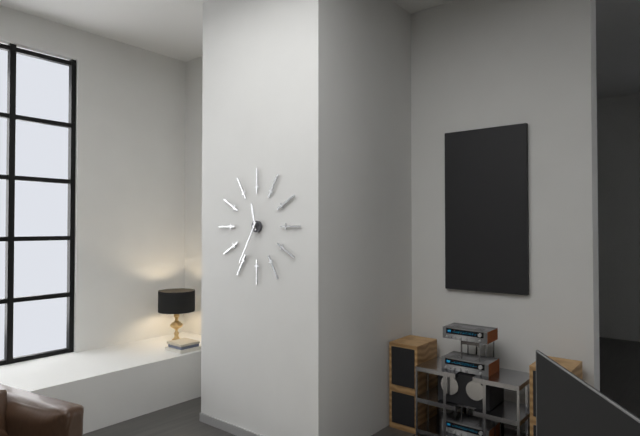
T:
11.35
